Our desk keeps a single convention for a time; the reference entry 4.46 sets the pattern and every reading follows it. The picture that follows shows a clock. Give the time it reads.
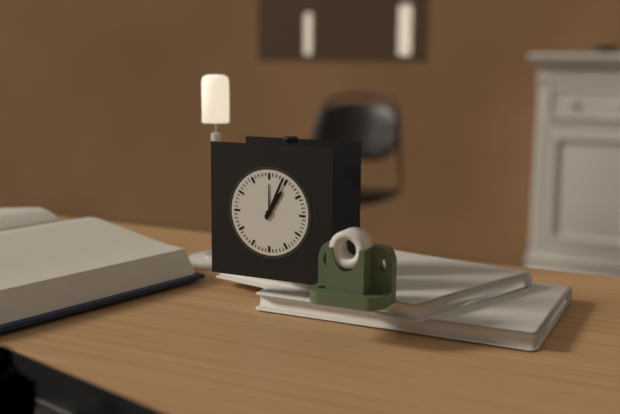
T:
1.04
